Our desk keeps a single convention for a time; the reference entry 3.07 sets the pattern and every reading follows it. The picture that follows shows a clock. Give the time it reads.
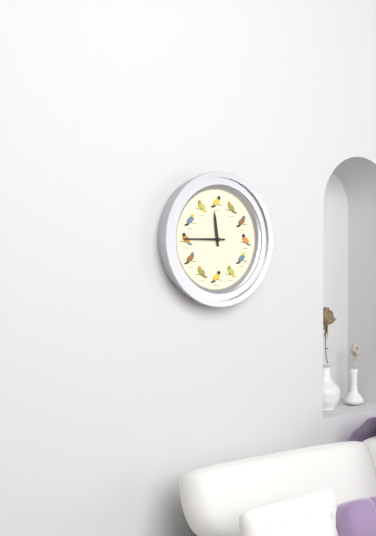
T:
11.45
